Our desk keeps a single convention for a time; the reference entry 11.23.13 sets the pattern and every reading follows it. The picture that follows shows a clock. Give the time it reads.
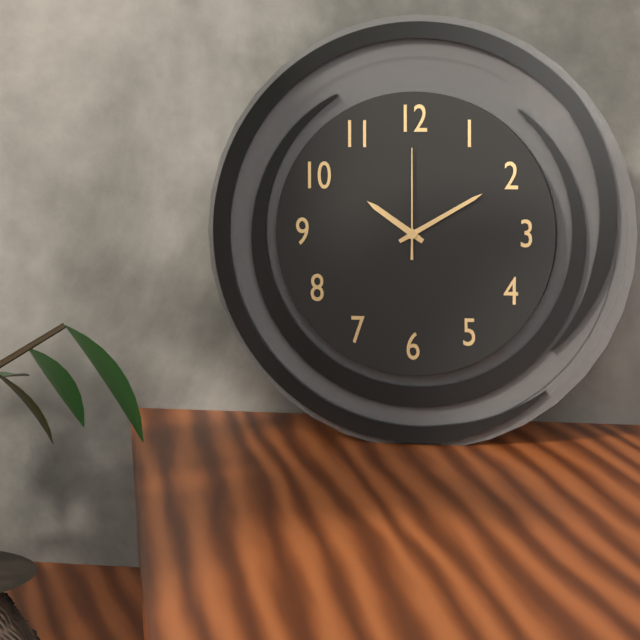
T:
10.10.00
